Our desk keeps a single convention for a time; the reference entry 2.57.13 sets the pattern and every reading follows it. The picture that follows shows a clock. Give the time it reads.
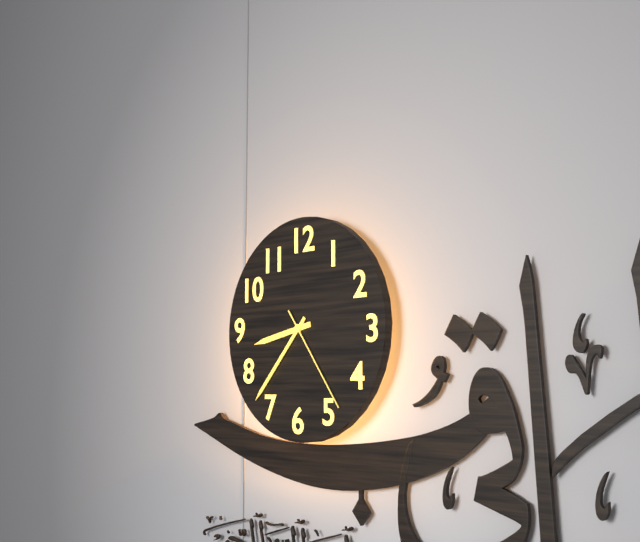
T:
8.37.24
